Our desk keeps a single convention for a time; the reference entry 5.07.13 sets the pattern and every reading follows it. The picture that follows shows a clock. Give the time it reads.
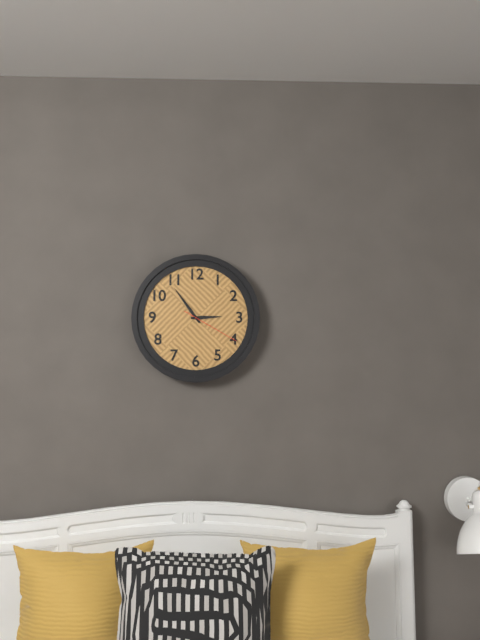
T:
2.54.20
